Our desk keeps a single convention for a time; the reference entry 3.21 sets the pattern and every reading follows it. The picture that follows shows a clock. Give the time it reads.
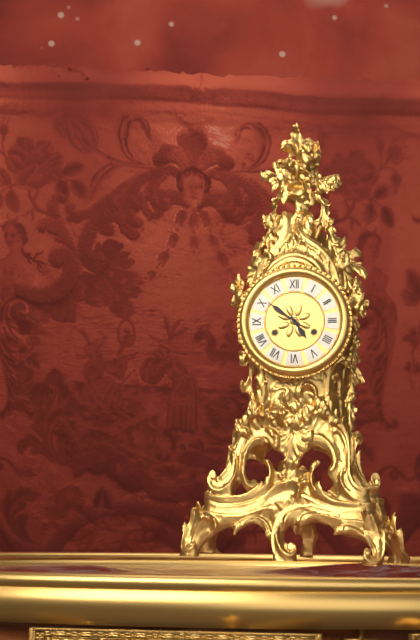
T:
4.51
